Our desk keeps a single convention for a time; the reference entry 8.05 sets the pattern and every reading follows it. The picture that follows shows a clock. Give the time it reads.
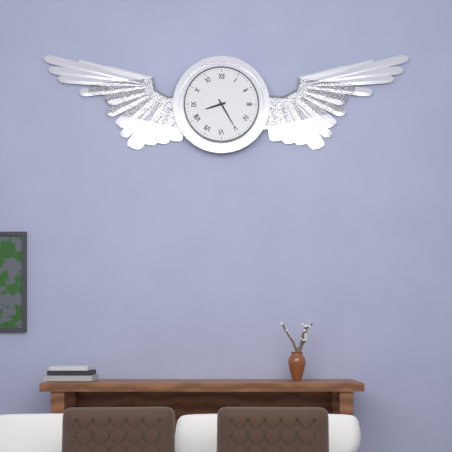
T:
8.25
